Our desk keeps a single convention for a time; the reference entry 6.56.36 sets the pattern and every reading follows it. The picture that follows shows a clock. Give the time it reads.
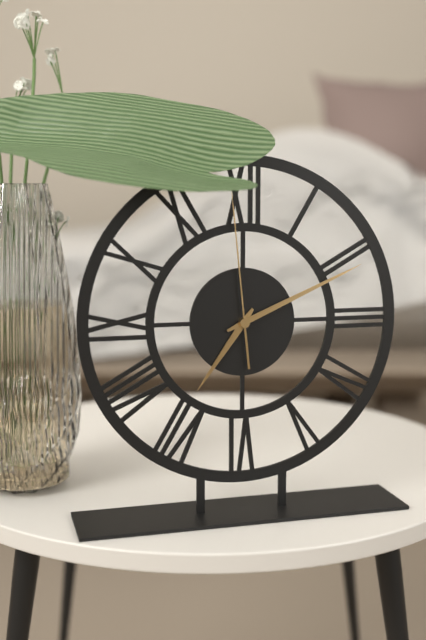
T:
7.11.59
